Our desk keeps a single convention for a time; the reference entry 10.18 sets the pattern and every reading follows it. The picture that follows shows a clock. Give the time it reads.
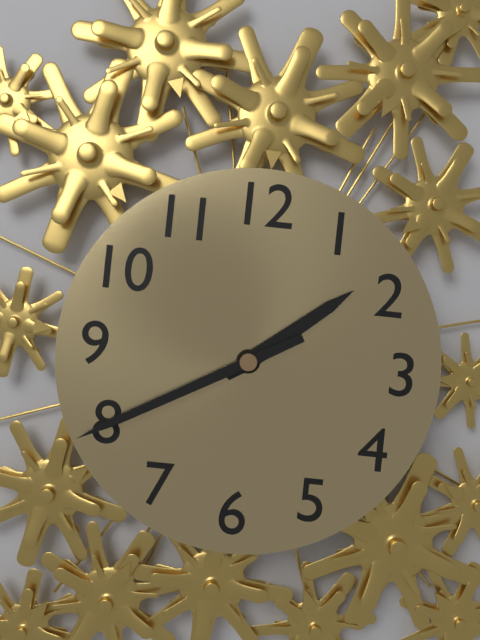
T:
1.40
